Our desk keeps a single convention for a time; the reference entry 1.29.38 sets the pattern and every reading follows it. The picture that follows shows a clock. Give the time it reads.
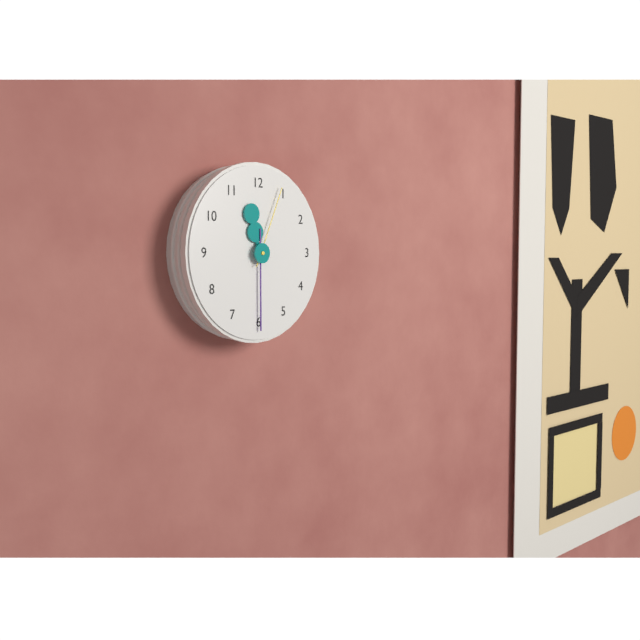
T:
11.30.04
